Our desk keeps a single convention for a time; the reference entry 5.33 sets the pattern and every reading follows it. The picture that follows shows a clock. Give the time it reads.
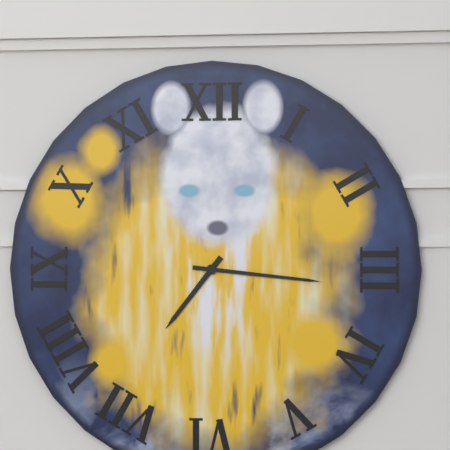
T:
7.16
